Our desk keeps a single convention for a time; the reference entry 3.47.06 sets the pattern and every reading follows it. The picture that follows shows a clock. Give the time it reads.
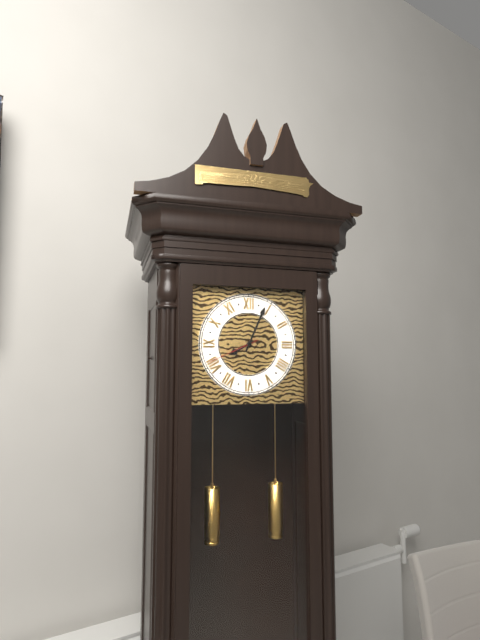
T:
8.04.41
